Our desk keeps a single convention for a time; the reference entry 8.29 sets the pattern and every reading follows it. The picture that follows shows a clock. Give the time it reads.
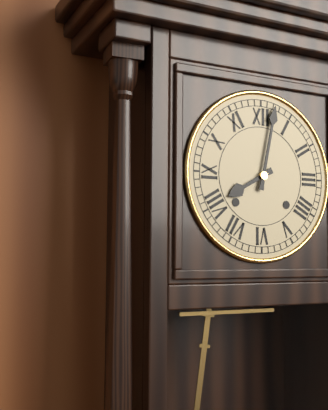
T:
8.02
